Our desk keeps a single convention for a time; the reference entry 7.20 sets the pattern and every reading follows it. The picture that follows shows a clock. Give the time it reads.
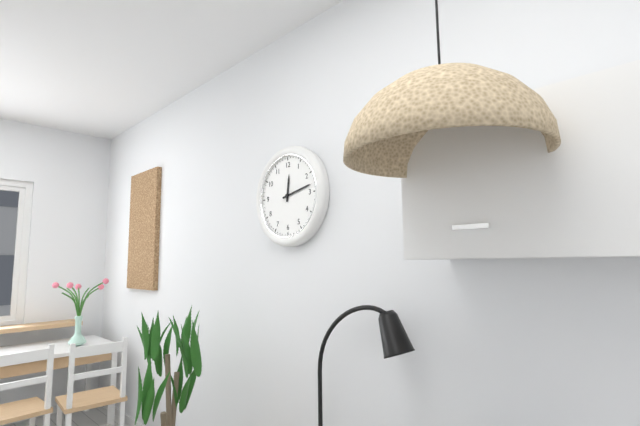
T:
12.13
